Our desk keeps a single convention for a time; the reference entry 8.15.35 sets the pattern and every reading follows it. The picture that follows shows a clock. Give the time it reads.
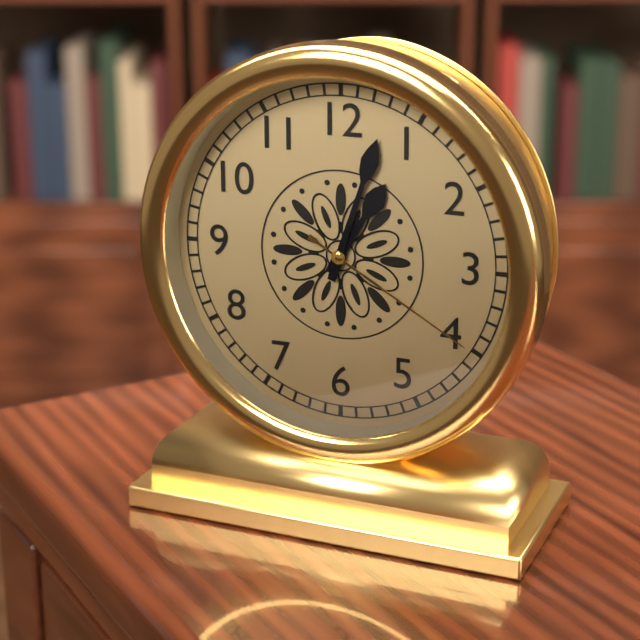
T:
1.03.20
